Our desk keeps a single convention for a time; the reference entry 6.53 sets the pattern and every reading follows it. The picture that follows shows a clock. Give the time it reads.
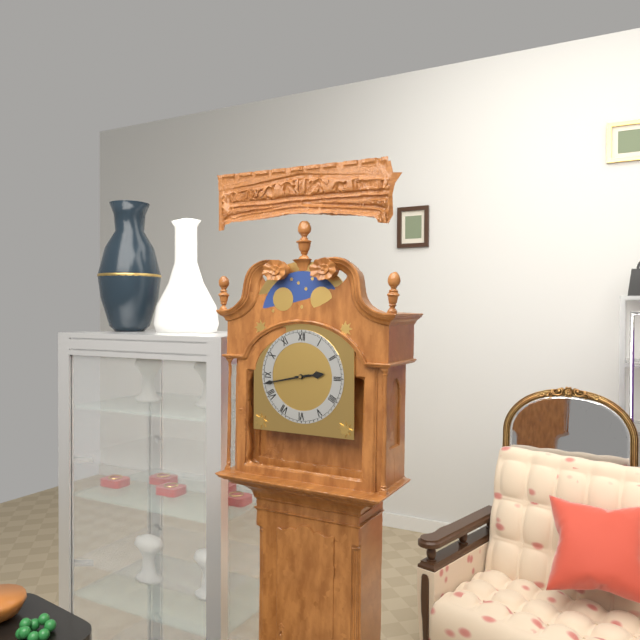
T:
2.43
